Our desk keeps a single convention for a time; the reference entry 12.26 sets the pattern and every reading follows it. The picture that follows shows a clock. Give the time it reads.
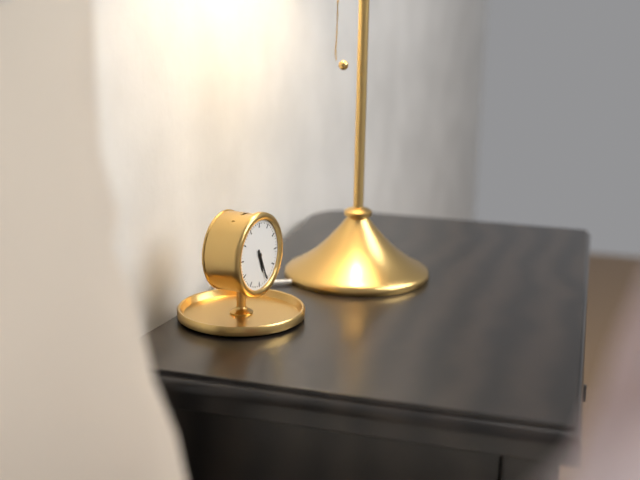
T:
5.26
